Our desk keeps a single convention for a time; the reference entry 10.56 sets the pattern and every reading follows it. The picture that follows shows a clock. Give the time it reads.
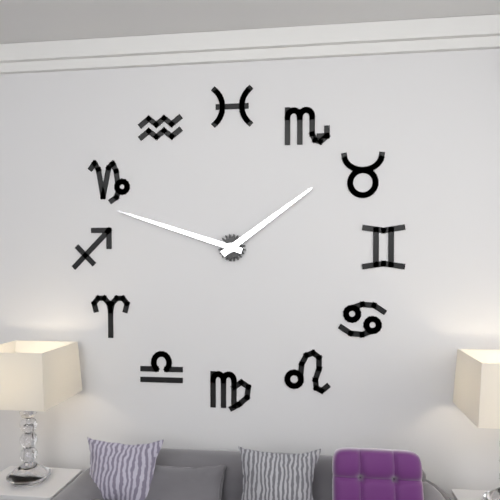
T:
1.48
